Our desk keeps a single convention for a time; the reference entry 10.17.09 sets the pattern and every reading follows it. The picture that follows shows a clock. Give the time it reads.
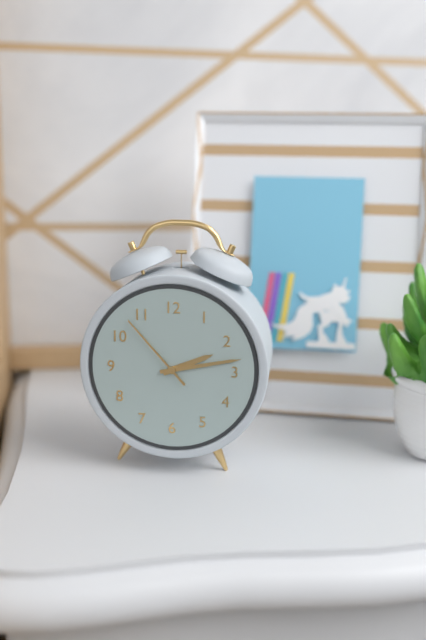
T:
2.13.53
